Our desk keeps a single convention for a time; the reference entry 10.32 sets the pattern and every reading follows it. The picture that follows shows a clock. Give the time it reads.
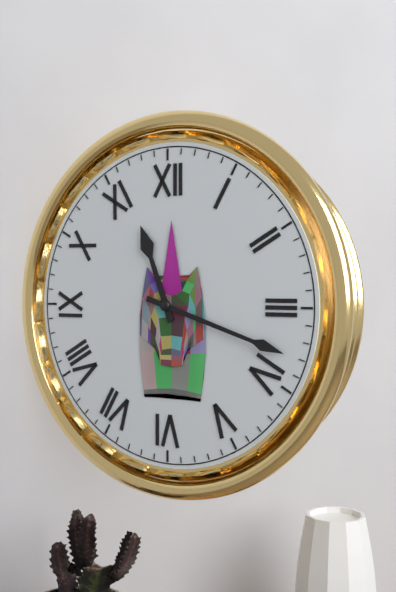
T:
11.18
